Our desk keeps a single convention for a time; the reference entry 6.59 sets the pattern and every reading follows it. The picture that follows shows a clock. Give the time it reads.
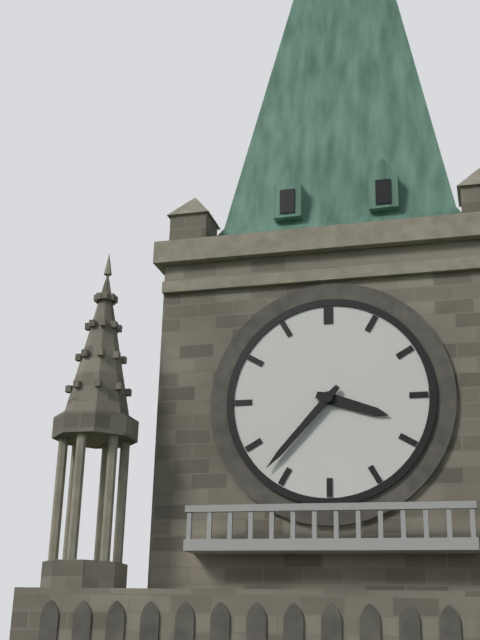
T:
3.37
